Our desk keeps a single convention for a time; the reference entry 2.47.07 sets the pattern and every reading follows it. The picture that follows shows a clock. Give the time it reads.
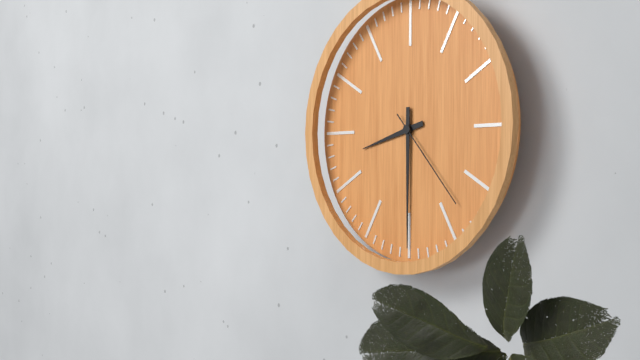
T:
8.30.23
